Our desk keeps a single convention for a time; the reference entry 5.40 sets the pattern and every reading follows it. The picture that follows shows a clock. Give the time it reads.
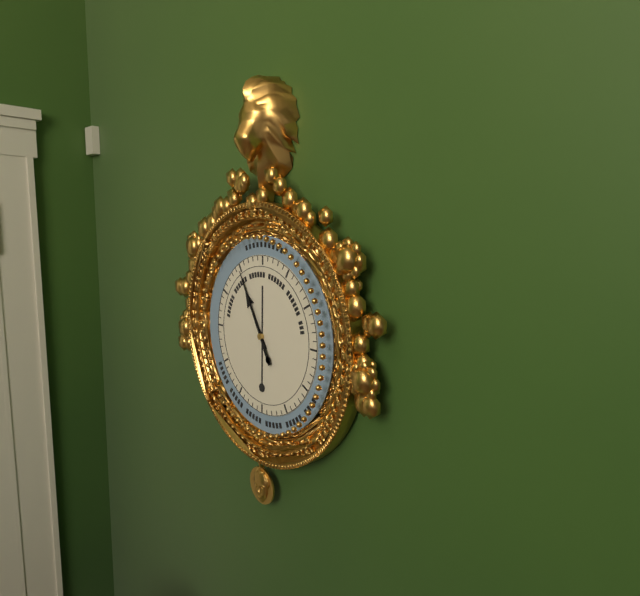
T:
10.55
